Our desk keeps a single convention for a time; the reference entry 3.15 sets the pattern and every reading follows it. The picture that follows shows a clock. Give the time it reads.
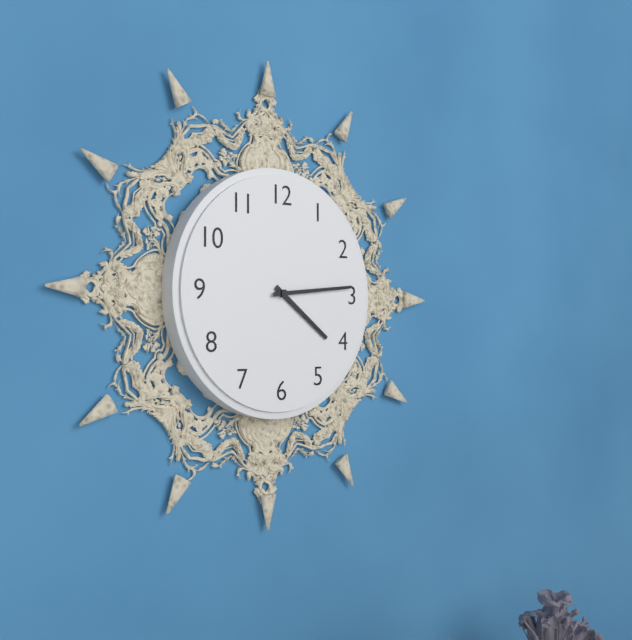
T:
4.14
